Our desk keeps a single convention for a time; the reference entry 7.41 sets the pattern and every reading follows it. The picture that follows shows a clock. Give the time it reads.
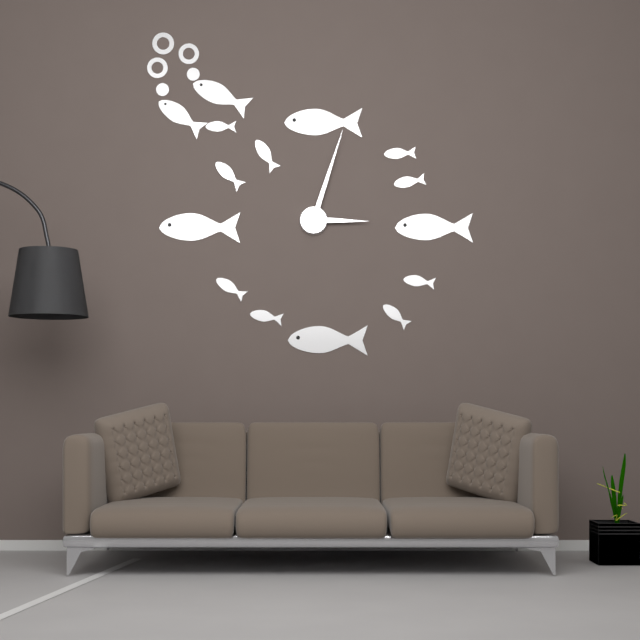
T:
3.03
